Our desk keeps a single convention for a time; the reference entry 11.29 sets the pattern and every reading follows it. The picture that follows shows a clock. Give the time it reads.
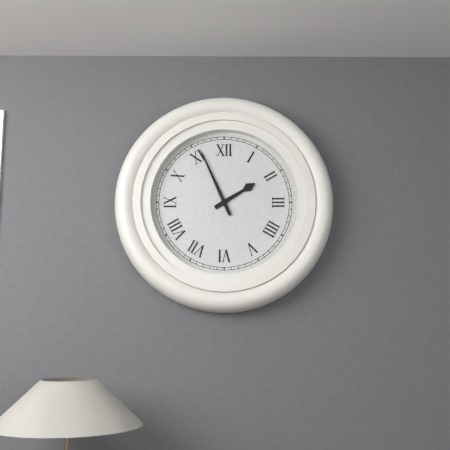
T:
1.56
